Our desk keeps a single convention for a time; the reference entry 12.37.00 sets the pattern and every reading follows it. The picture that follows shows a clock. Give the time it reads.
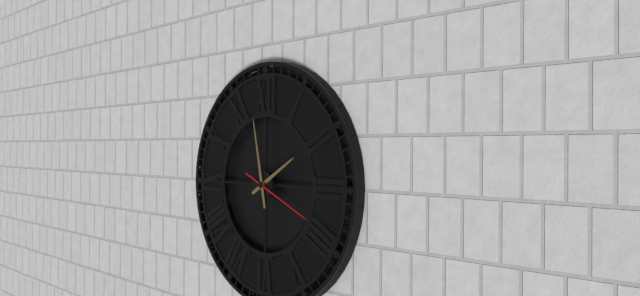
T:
1.58.19
